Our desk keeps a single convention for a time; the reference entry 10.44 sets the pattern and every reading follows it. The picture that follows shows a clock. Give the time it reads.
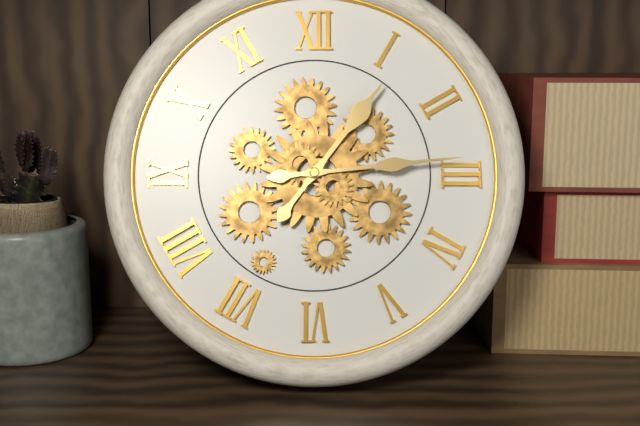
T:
1.14
